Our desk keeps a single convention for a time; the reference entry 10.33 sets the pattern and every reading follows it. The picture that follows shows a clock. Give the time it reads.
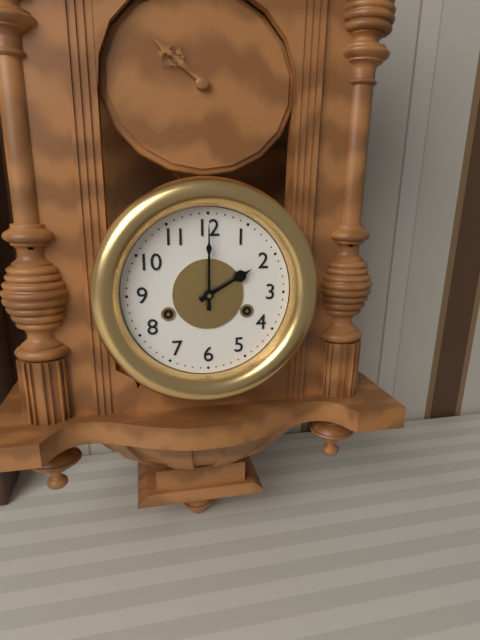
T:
2.00
